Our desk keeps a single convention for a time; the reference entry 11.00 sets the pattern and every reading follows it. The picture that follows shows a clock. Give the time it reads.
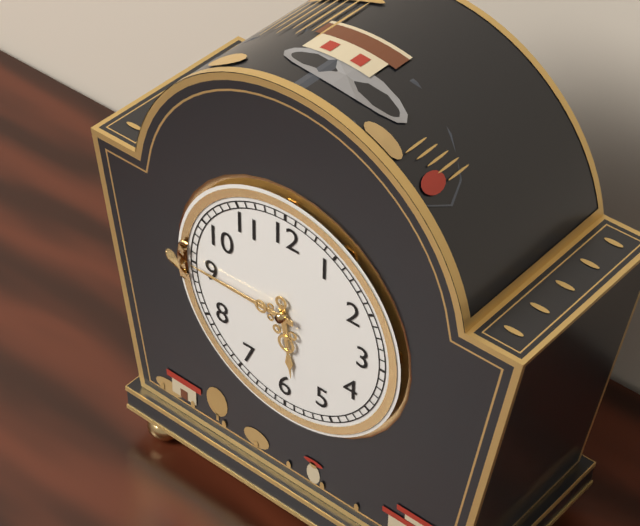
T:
5.45
